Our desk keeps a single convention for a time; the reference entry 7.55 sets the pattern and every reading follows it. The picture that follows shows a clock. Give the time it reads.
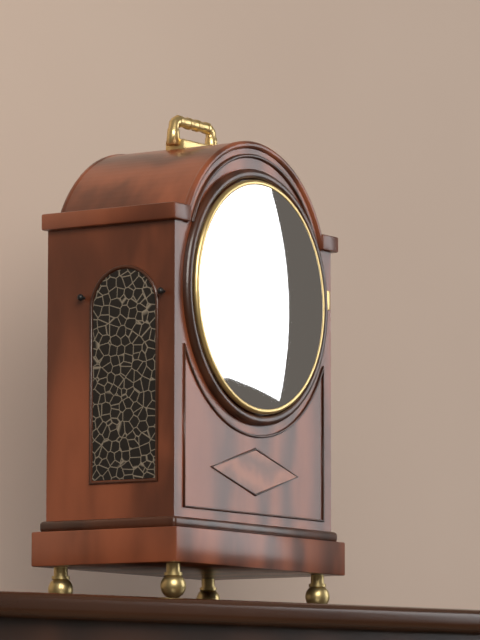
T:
7.08
